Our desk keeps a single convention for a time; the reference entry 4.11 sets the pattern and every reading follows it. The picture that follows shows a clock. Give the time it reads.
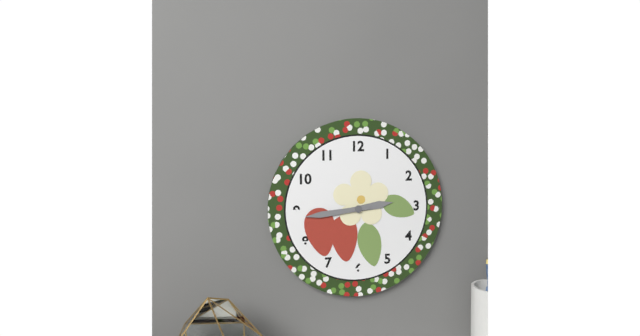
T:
2.44
